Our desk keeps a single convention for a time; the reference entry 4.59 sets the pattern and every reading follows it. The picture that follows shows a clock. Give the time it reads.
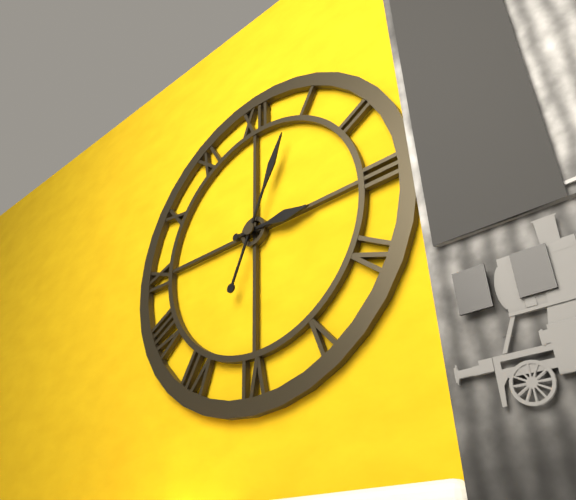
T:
3.04
